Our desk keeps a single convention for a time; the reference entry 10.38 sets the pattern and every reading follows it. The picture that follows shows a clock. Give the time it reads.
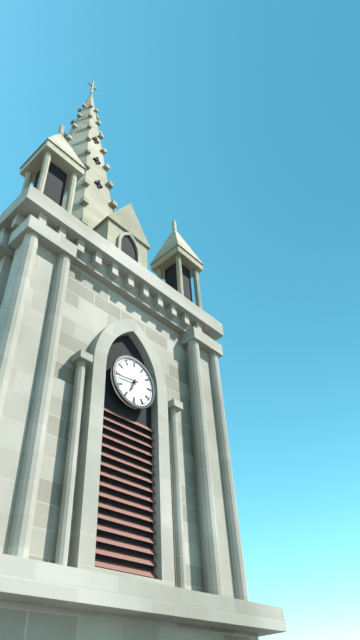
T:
6.44
